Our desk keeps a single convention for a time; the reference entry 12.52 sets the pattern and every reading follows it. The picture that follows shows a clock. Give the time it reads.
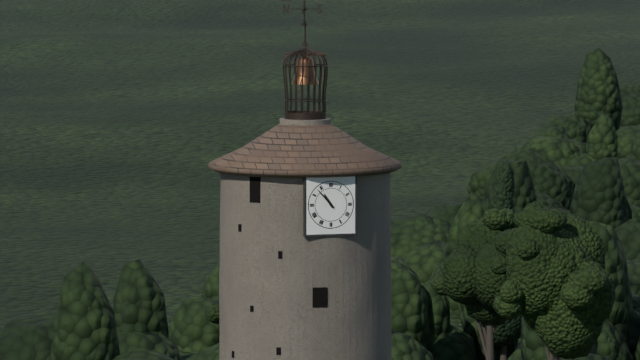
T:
10.53
